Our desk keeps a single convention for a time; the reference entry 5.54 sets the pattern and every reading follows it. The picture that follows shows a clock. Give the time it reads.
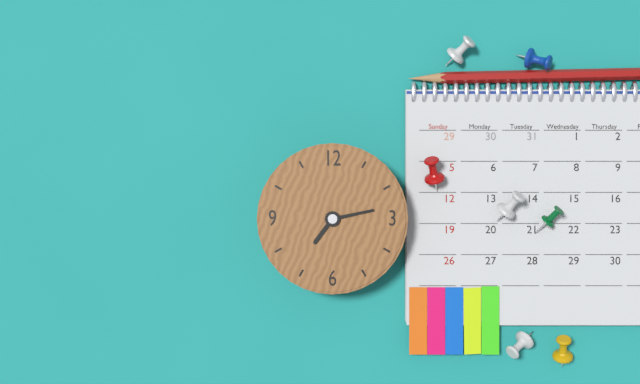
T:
7.13
